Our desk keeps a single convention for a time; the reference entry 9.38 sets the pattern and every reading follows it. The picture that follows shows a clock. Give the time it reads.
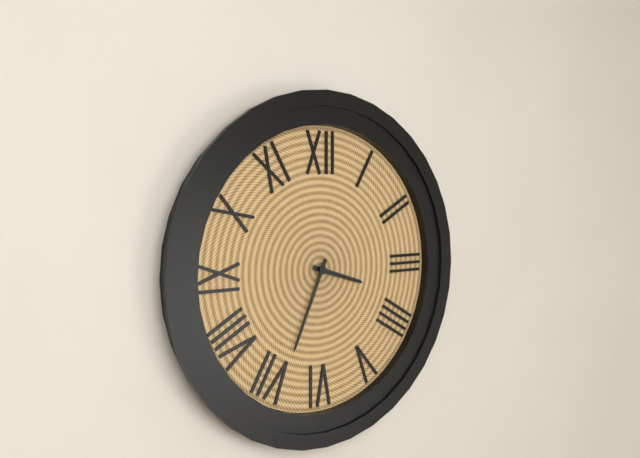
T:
3.34
